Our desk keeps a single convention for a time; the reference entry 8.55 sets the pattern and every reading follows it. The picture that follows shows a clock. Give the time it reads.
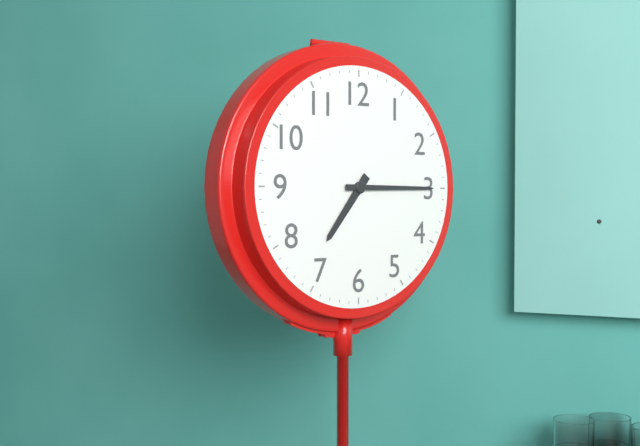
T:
7.15
